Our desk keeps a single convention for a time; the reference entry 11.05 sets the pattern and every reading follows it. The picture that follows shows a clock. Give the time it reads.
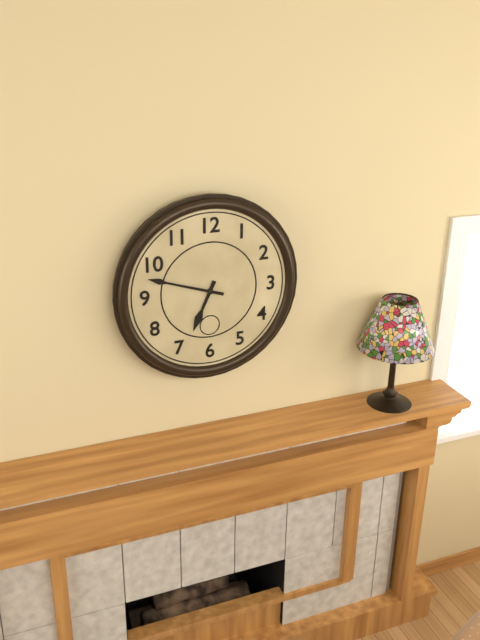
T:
6.48
